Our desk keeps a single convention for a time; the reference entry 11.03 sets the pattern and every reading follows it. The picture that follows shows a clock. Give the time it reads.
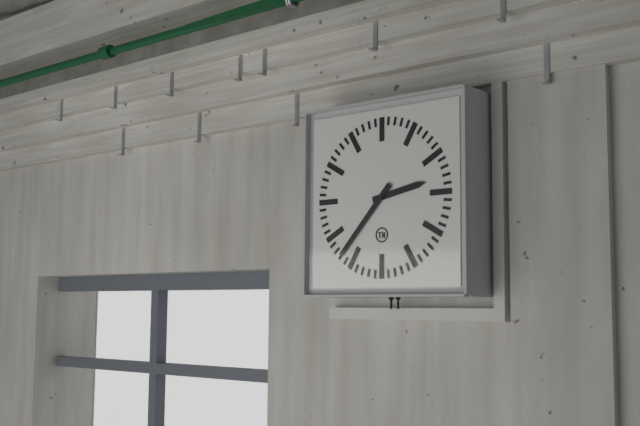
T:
2.37
